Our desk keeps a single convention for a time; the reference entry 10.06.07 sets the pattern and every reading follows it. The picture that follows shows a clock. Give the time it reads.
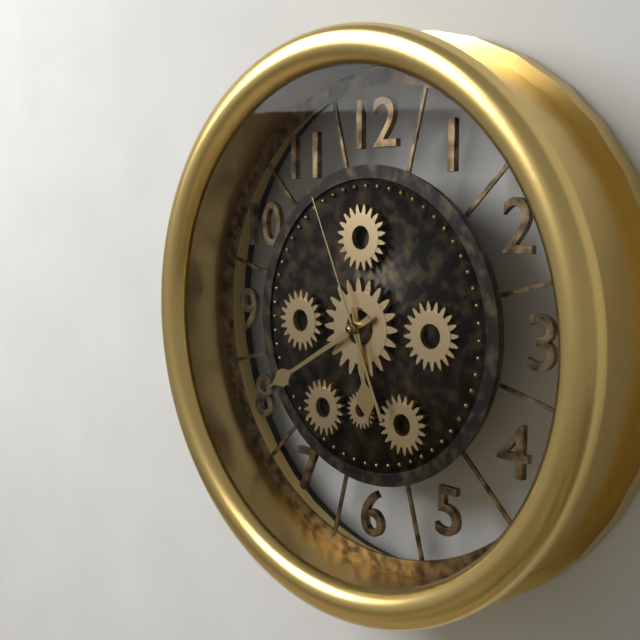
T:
5.40.56
